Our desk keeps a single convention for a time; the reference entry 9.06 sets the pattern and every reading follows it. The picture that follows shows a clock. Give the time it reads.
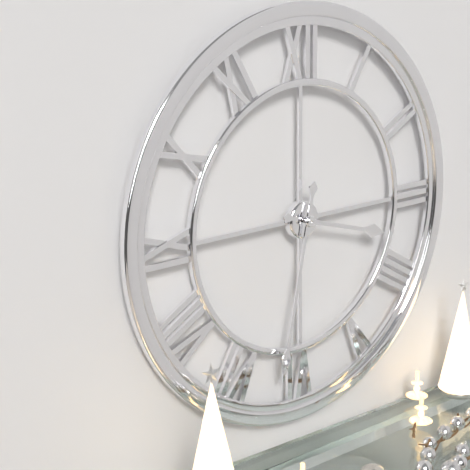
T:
3.32
